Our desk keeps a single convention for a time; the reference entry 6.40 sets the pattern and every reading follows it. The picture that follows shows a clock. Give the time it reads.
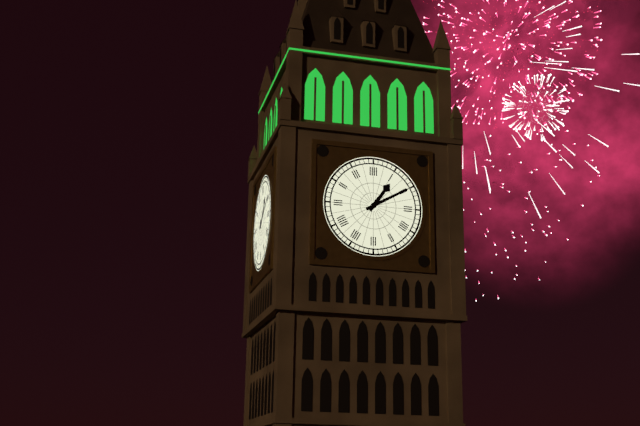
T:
1.10
